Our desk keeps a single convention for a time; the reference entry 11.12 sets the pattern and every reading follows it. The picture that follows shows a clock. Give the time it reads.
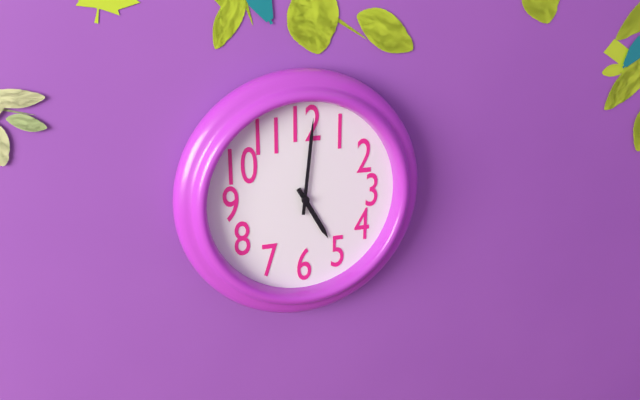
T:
5.01
